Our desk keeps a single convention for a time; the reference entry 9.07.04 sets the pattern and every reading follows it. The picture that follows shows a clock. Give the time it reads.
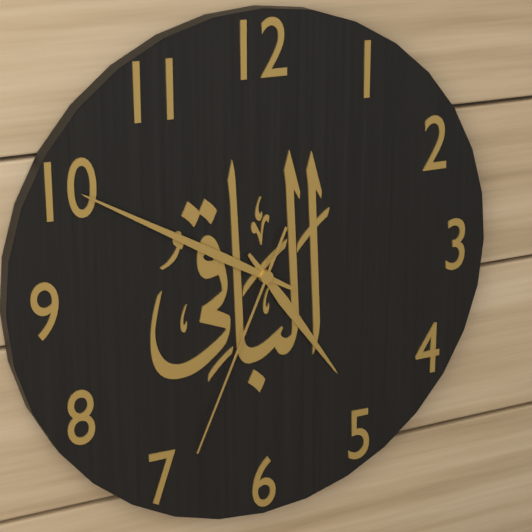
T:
4.50.34
